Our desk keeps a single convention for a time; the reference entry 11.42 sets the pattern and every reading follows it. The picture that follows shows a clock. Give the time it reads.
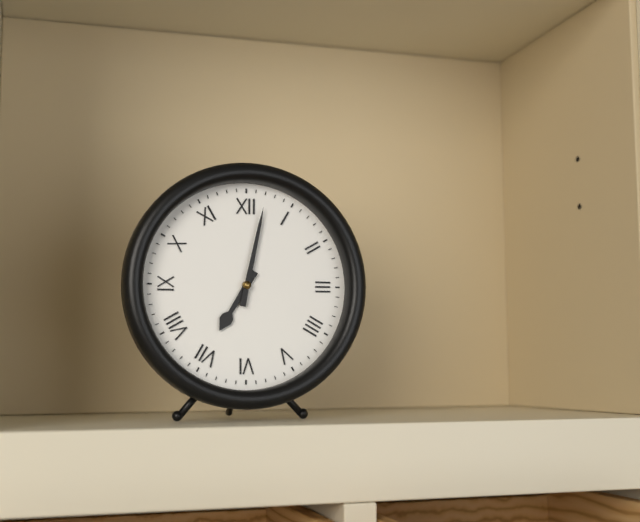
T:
7.02
